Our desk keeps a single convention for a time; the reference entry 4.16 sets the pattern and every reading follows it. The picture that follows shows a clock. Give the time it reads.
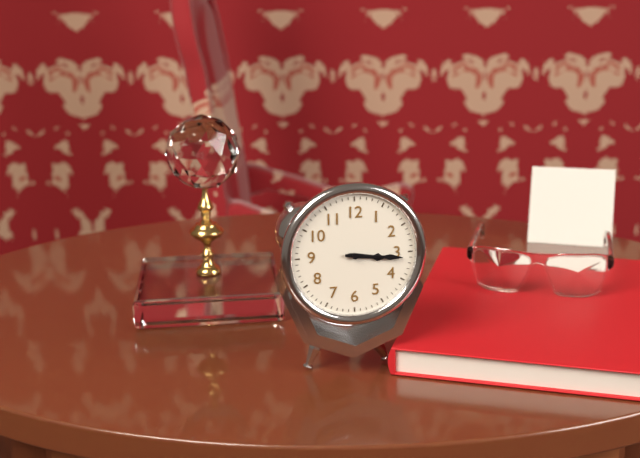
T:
3.16
